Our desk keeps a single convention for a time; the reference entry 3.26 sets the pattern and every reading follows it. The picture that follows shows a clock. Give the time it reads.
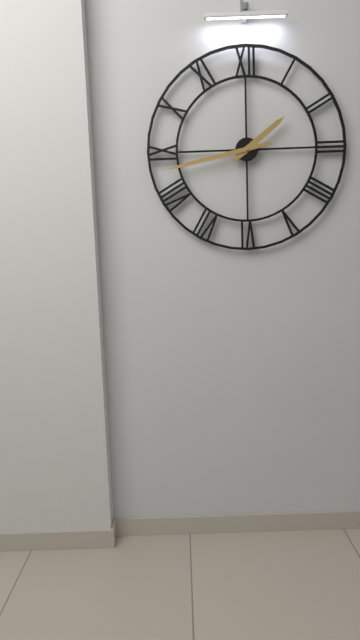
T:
1.43
